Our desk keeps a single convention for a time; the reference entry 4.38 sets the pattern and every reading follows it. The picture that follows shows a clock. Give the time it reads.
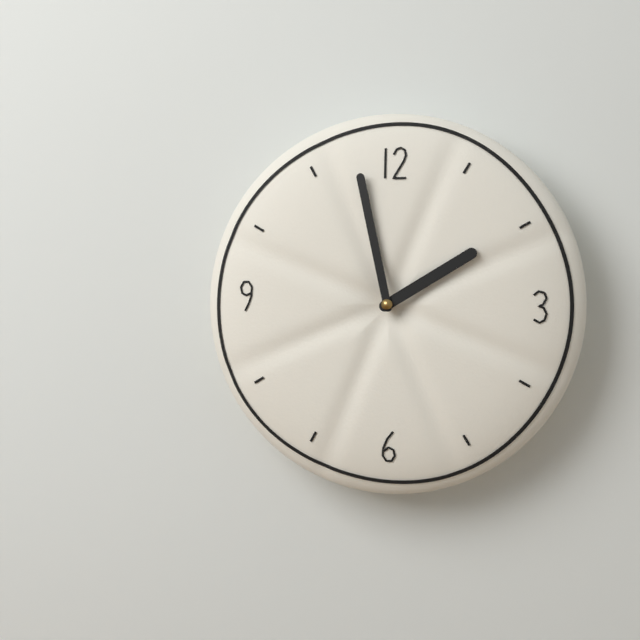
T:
1.58
